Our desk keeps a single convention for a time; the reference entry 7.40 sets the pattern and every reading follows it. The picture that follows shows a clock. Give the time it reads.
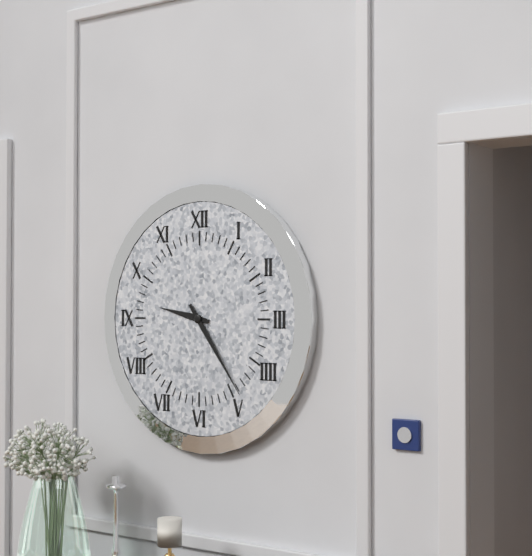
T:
9.24
